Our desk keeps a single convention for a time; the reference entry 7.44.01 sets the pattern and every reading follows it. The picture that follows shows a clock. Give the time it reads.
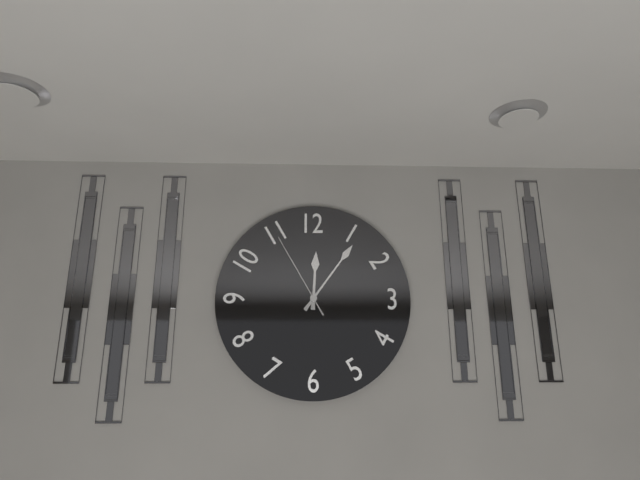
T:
12.06.55
